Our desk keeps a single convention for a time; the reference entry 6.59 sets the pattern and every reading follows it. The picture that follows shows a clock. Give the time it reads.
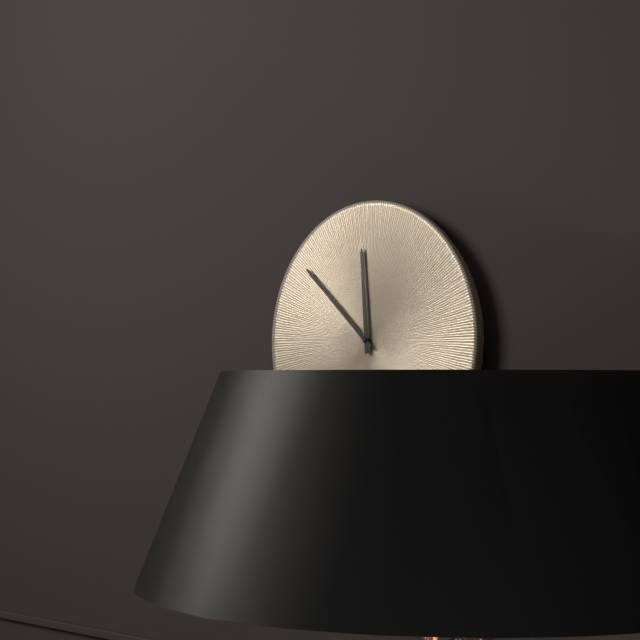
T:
11.52
